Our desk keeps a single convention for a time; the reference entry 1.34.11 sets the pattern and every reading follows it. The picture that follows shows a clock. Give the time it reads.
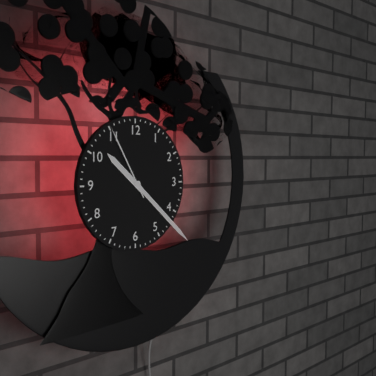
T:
10.22.55
